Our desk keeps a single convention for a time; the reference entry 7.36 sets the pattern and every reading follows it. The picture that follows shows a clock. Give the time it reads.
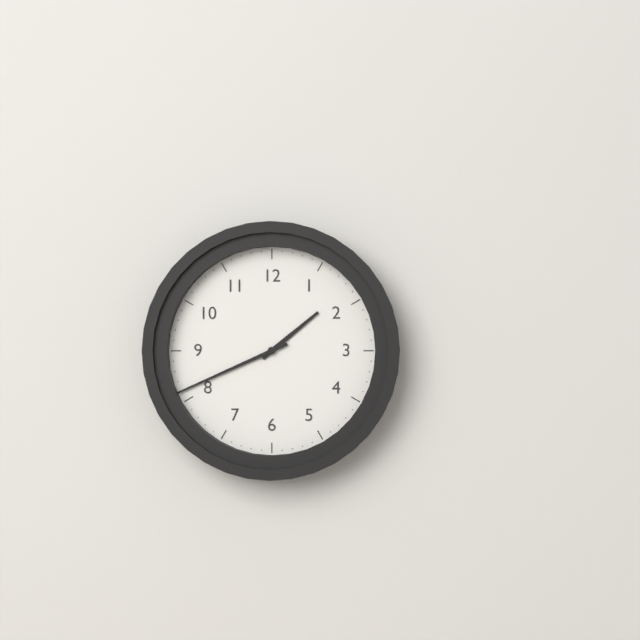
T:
1.41
